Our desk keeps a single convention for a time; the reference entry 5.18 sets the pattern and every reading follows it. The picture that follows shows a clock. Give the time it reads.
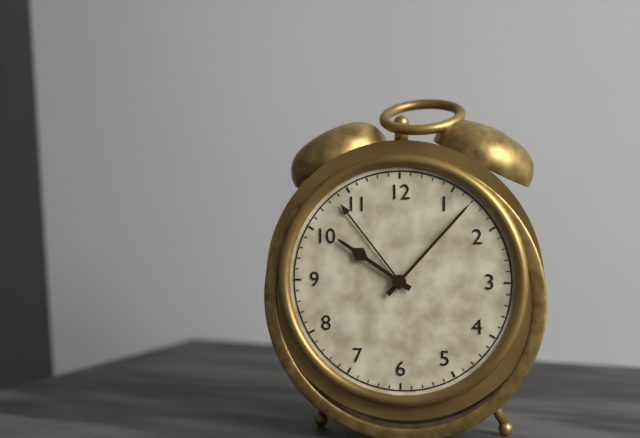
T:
10.07
